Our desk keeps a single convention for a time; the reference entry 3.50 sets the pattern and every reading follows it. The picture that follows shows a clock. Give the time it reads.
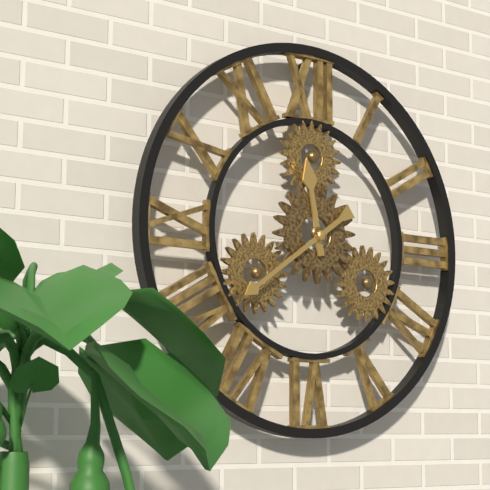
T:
11.39
